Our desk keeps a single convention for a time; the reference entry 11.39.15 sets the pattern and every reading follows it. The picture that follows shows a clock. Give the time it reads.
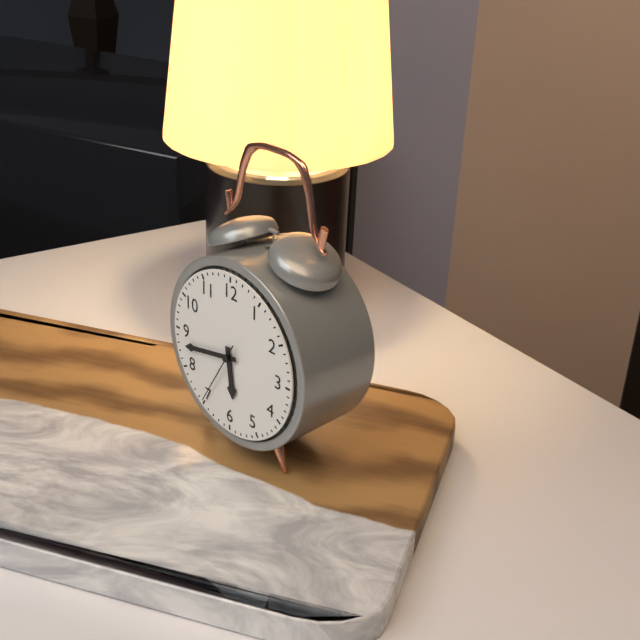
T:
5.43.35
